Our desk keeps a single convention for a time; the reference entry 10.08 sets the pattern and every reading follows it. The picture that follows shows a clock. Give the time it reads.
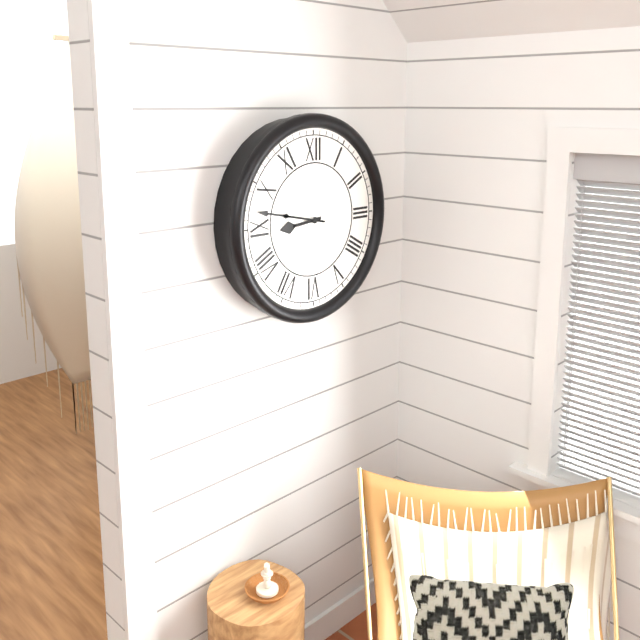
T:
8.47
